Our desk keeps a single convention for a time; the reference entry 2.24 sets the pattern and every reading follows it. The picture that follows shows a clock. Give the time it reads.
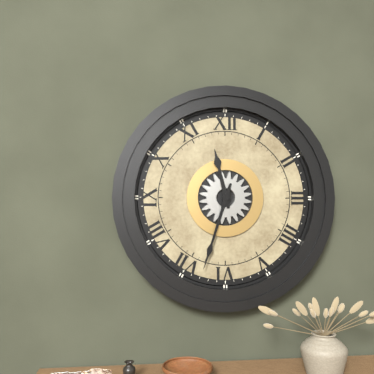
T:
11.33
